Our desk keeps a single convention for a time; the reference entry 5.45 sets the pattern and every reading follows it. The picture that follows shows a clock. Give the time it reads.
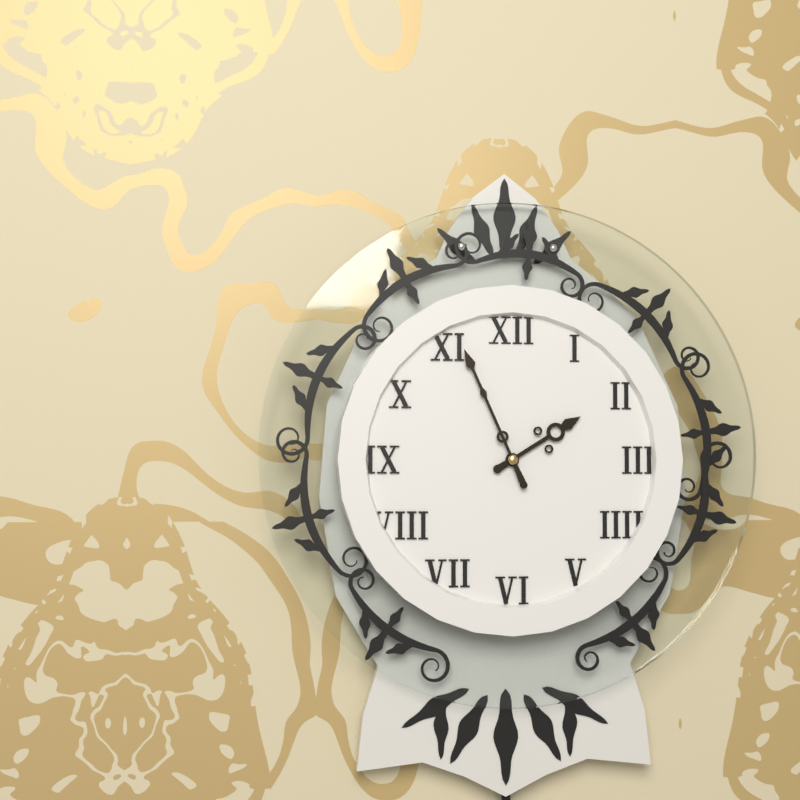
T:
1.56
